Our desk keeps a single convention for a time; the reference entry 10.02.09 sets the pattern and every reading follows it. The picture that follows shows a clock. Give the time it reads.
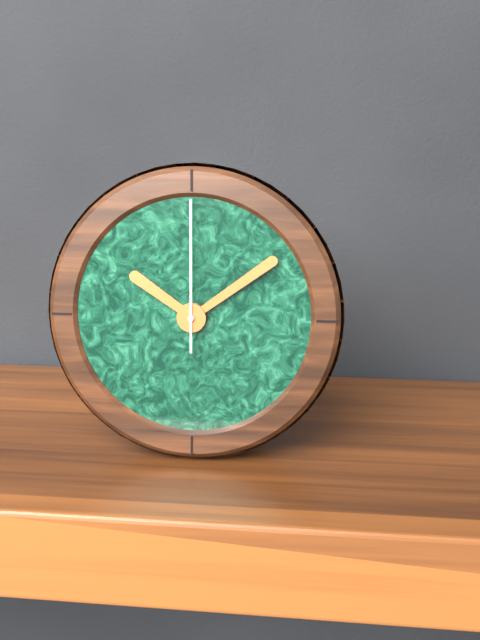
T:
10.09.00
